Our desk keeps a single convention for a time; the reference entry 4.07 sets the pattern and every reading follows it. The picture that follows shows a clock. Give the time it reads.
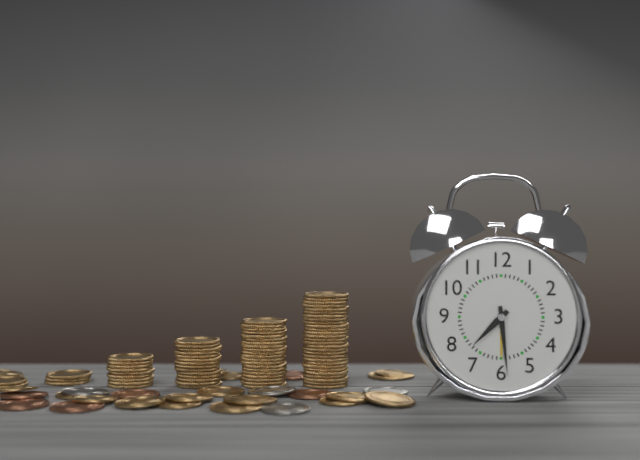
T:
7.29
